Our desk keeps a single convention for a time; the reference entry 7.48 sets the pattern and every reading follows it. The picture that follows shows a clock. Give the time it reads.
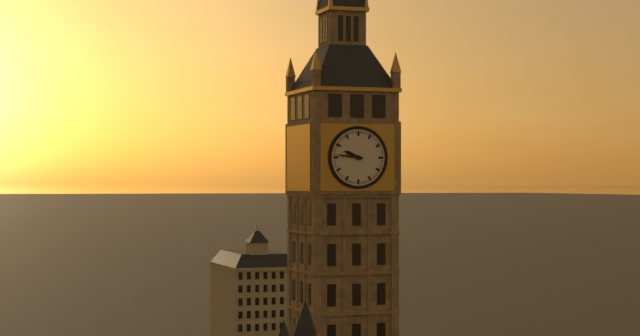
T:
9.46
